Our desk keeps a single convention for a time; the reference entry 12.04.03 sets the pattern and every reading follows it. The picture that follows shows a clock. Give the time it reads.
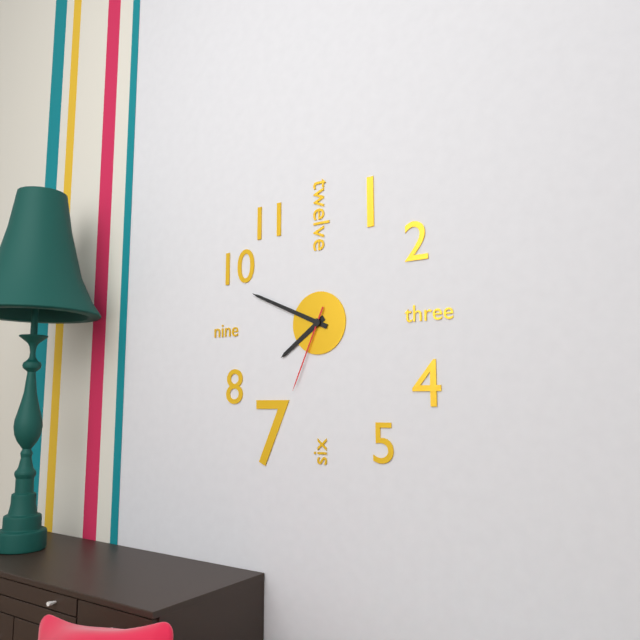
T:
7.49.34
